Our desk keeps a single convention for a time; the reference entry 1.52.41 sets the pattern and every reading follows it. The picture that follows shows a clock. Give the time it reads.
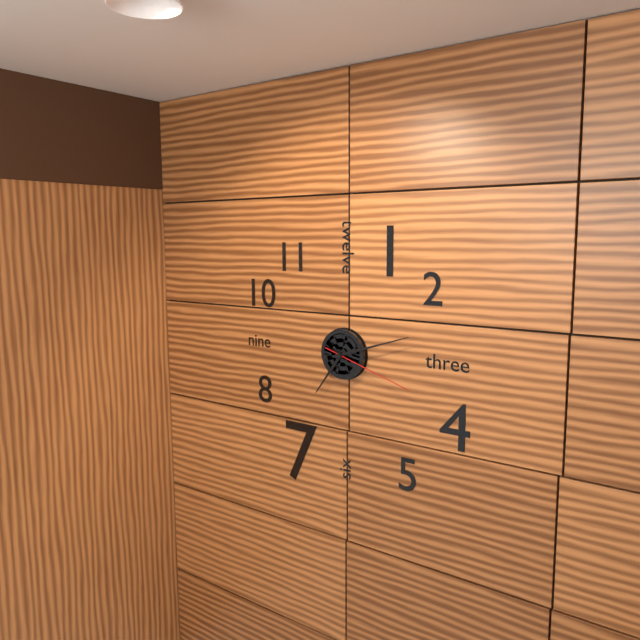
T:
7.12.18
